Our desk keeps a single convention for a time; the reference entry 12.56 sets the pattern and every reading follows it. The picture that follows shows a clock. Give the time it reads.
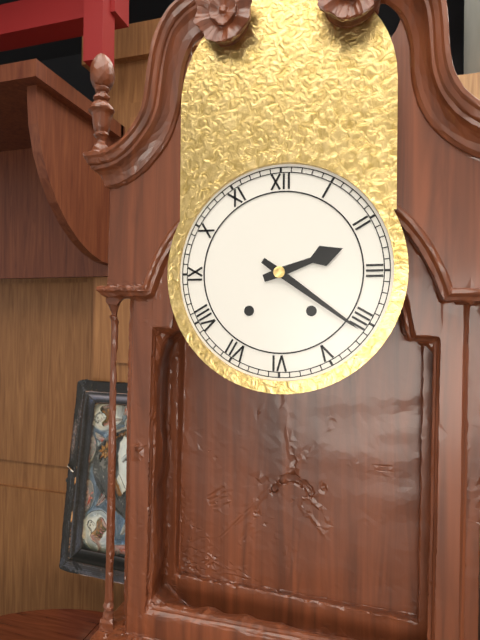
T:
2.21
